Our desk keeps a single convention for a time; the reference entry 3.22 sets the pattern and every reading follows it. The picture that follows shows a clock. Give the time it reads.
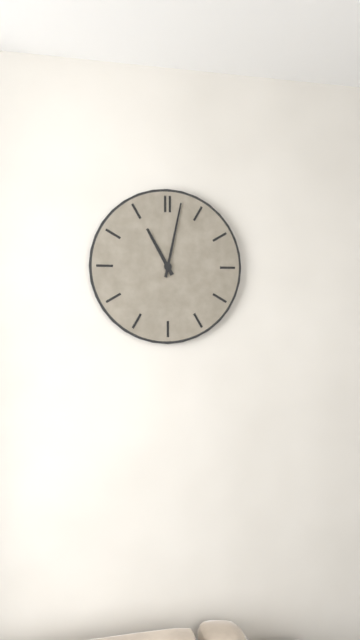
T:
11.02
